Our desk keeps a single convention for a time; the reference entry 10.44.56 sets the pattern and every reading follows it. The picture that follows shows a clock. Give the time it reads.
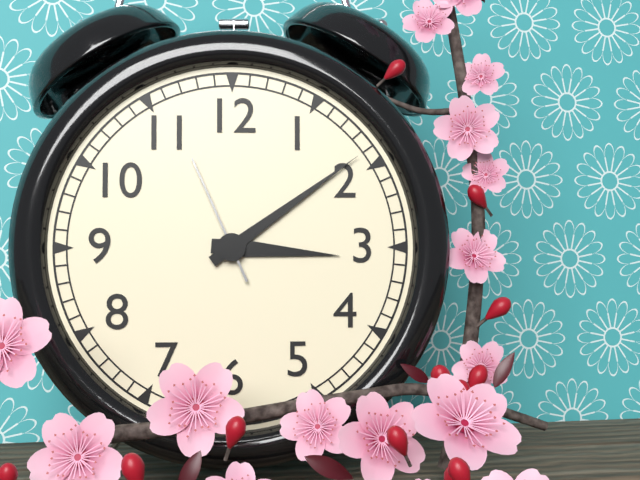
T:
3.09.56
